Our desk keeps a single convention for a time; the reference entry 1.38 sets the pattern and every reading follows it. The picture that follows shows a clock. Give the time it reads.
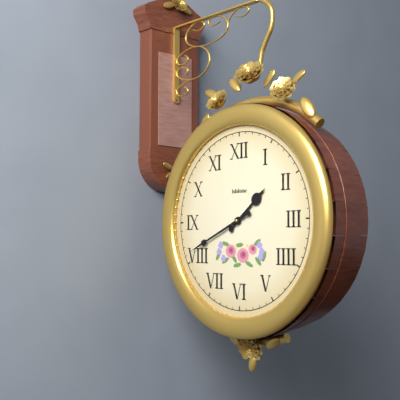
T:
1.41
